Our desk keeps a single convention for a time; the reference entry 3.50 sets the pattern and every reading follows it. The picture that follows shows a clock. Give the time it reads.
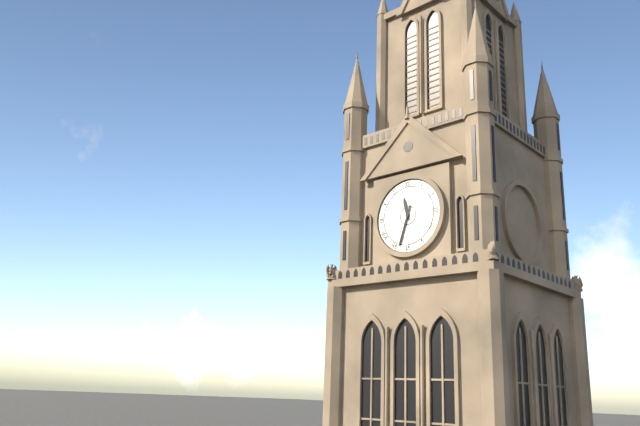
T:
11.33
